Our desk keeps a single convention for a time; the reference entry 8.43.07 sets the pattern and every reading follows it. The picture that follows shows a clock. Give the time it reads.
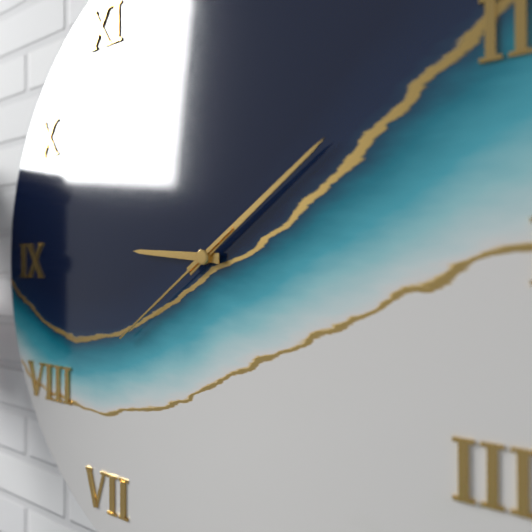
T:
9.09.39
